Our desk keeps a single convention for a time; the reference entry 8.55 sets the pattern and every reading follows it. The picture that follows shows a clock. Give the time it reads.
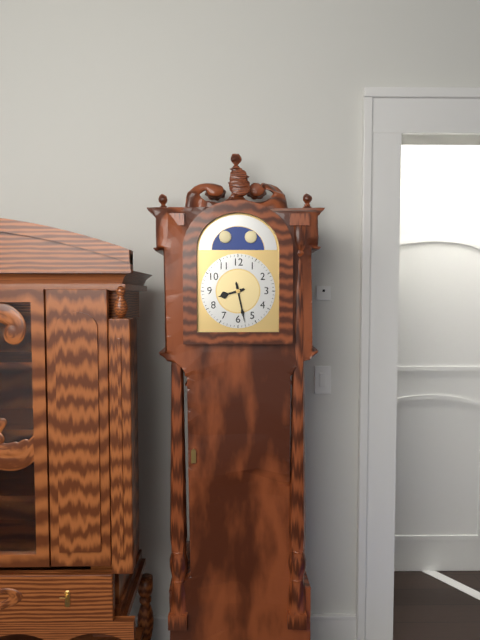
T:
8.28
